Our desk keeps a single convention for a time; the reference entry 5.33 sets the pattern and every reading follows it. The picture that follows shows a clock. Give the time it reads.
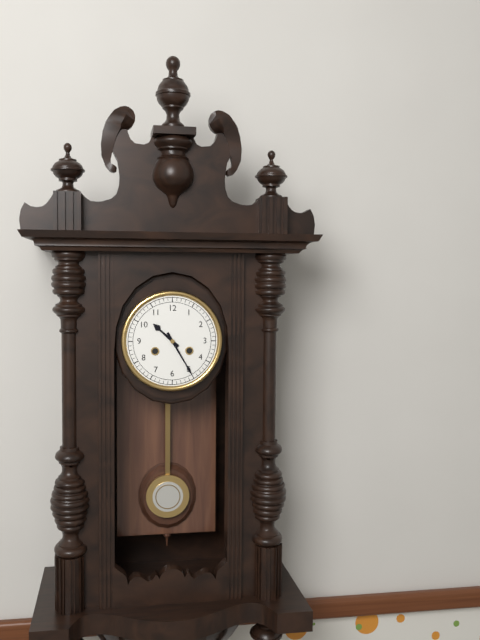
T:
10.25
